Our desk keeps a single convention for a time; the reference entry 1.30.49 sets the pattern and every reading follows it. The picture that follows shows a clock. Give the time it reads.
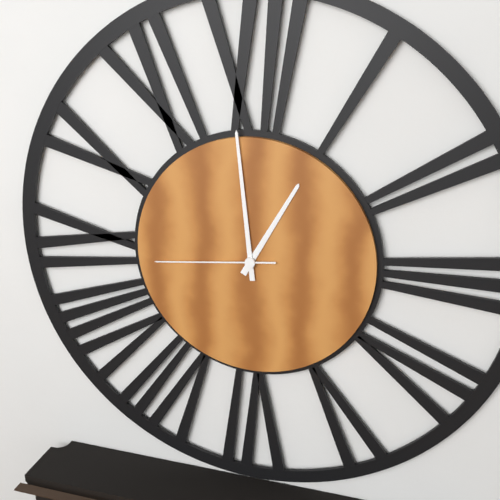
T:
12.59.44
